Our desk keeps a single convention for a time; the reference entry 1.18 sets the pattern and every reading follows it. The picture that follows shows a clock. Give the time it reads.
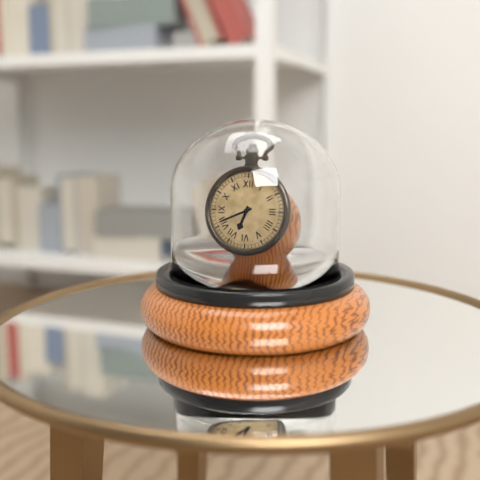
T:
6.41
